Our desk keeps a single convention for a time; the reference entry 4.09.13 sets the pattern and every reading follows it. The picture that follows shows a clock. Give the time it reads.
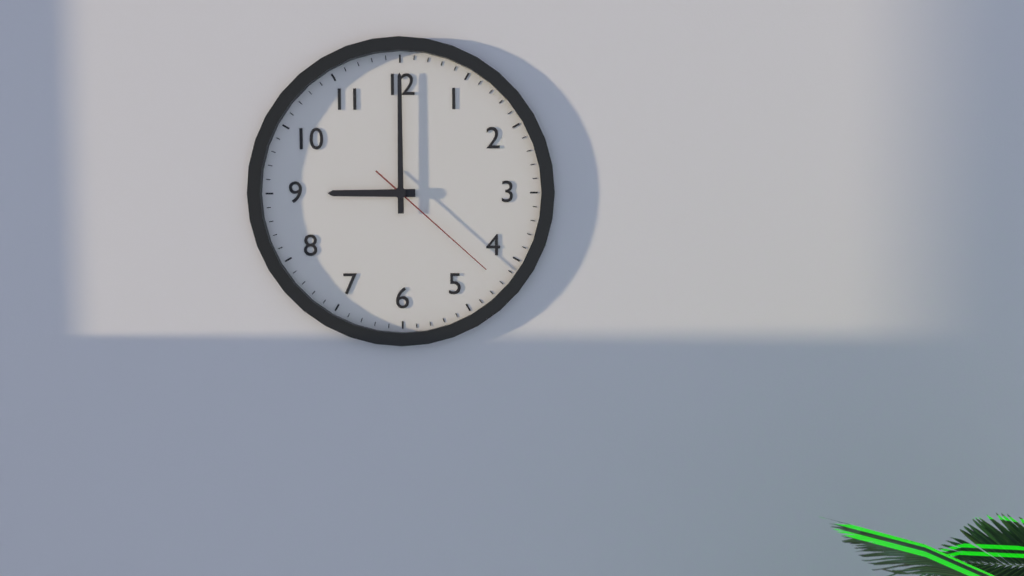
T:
9.00.22
